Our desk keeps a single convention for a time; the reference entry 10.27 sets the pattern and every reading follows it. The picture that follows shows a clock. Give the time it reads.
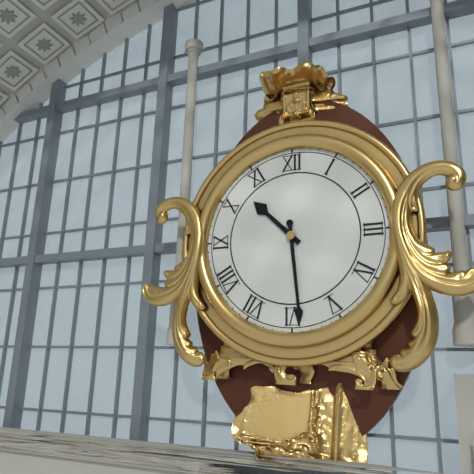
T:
10.29
